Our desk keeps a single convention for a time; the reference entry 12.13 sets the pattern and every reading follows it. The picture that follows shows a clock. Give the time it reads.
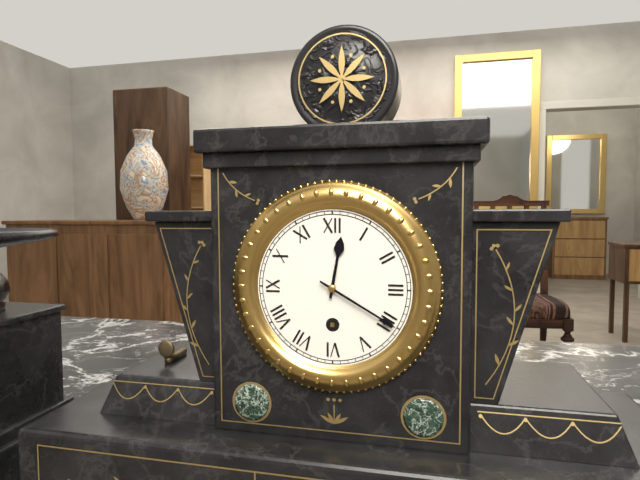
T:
12.20
